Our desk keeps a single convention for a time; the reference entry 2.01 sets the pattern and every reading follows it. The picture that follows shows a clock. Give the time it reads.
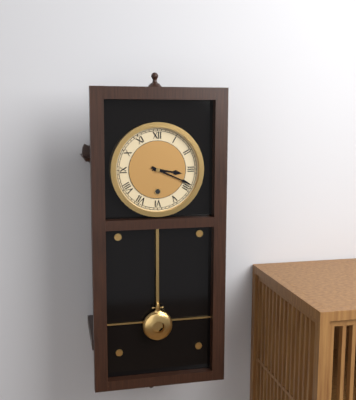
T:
3.19
